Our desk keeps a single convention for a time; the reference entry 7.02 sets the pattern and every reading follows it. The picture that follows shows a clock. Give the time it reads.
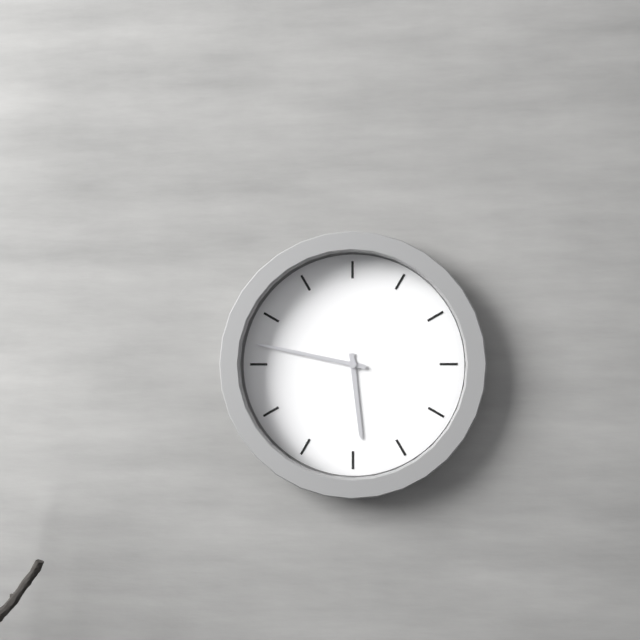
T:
5.47
